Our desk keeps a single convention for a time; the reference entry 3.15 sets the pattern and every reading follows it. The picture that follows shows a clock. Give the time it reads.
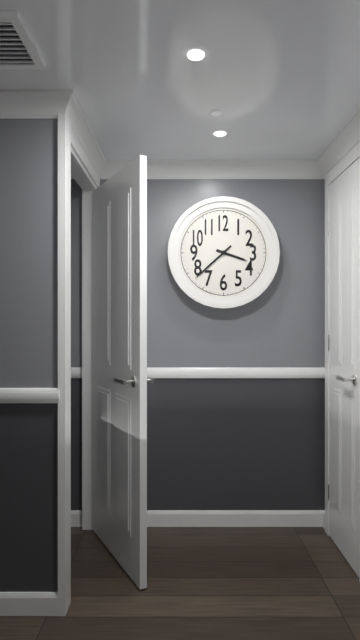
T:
3.38
